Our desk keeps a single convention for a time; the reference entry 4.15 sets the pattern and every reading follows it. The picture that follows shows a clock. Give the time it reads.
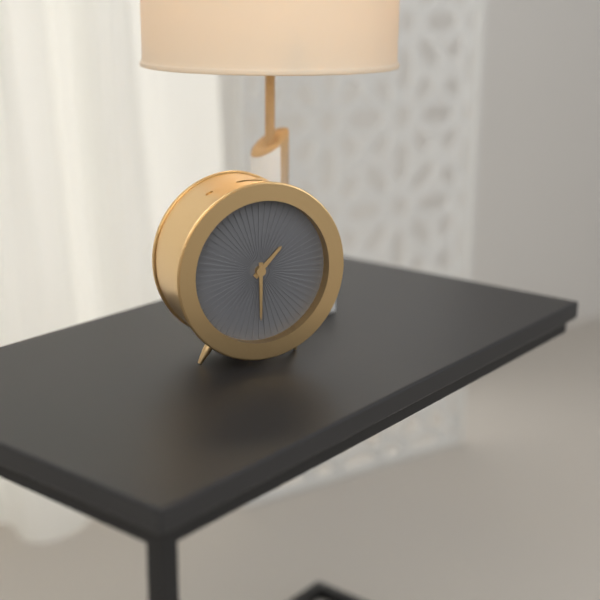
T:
1.30
